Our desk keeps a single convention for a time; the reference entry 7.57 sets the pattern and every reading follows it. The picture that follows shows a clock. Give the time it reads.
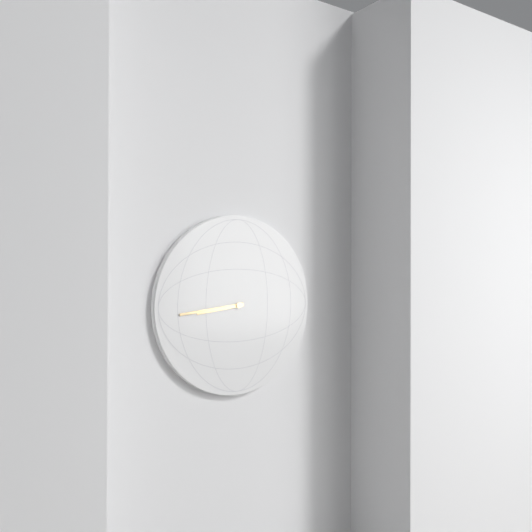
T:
8.44
